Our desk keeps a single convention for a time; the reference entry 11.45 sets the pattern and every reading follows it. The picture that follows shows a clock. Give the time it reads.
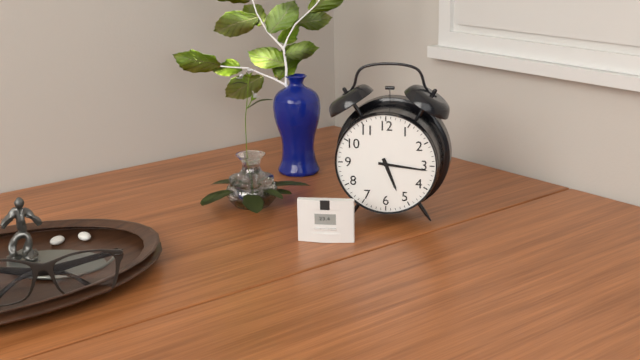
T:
5.16
